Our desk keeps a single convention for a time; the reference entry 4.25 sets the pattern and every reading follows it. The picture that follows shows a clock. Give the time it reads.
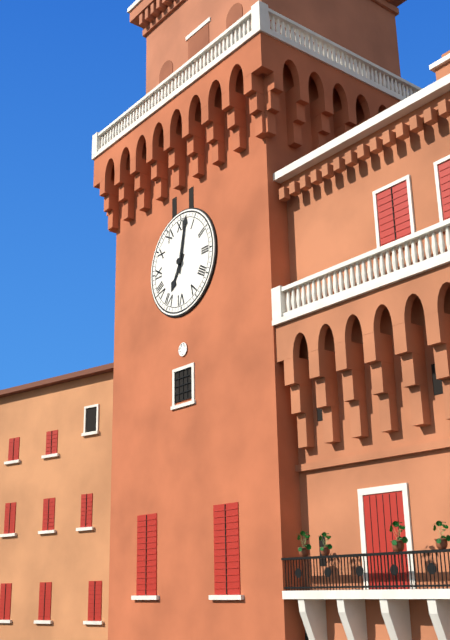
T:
7.02
